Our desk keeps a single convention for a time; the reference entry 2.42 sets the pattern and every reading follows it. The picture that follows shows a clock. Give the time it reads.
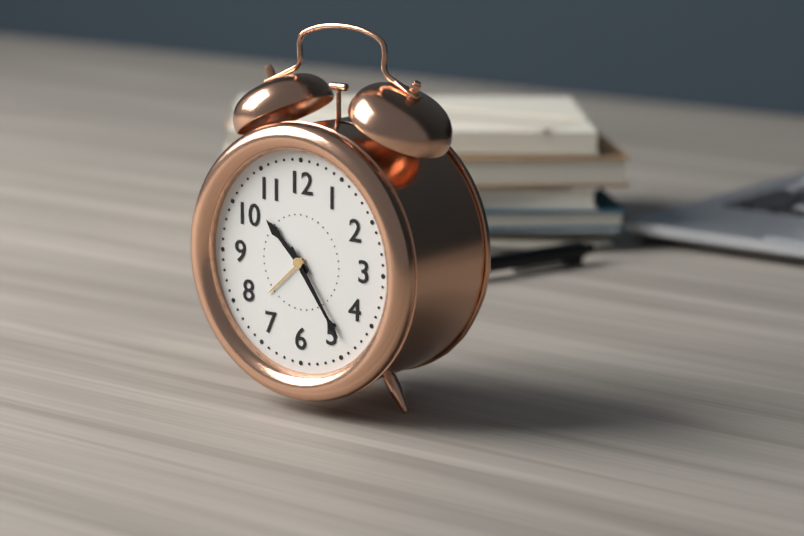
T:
10.24
